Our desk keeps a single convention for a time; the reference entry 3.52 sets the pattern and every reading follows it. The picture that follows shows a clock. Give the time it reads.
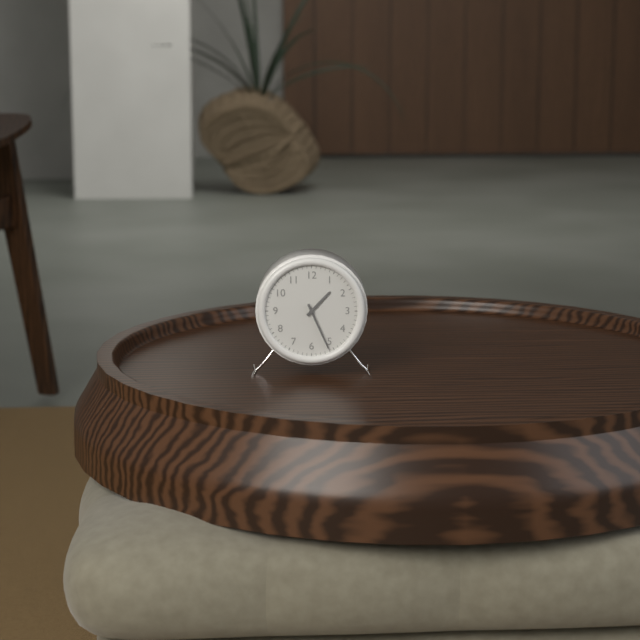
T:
1.26
